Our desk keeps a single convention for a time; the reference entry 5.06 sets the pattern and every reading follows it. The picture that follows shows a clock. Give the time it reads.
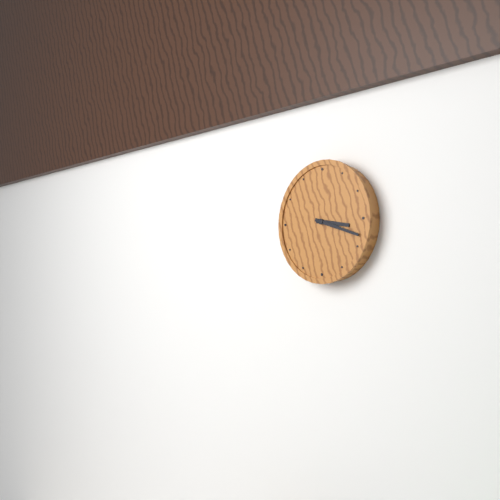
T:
3.18
